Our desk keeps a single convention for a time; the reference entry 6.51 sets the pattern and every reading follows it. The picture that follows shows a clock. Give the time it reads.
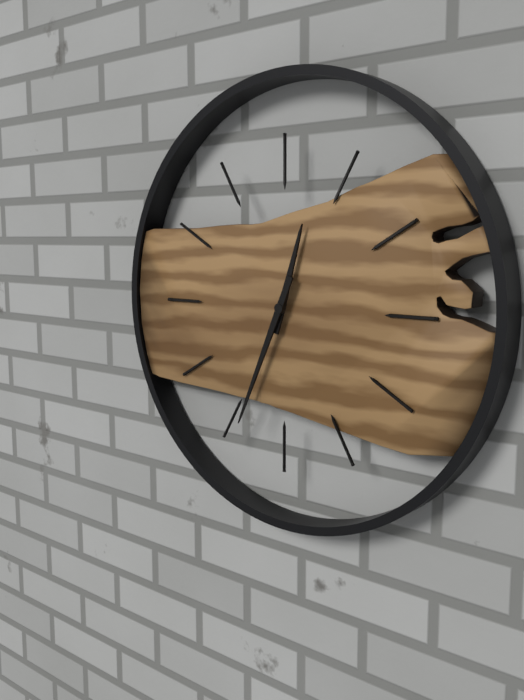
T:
12.34
